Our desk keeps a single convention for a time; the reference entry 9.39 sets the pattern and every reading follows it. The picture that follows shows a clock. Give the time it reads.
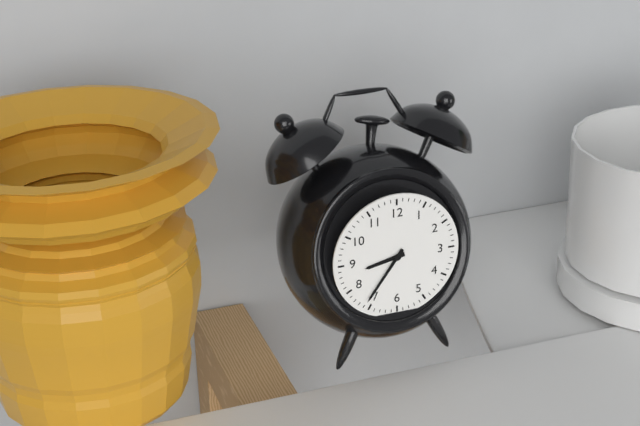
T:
8.36
